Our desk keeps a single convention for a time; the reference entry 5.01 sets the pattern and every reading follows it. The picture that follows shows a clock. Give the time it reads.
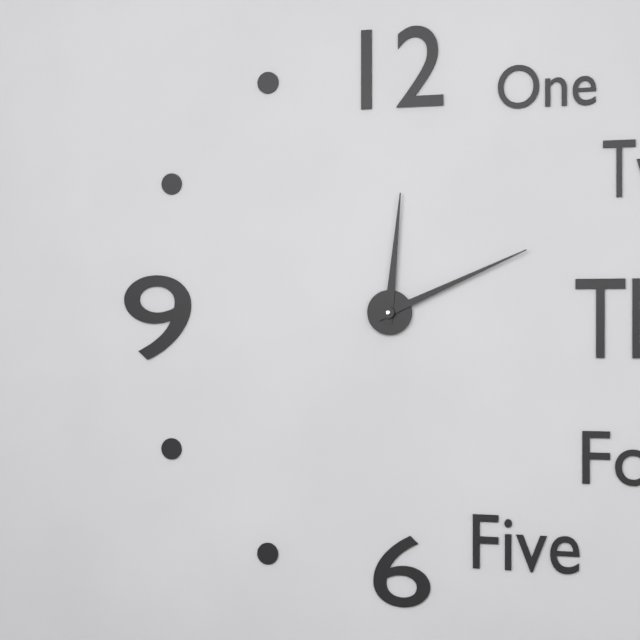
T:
12.11
